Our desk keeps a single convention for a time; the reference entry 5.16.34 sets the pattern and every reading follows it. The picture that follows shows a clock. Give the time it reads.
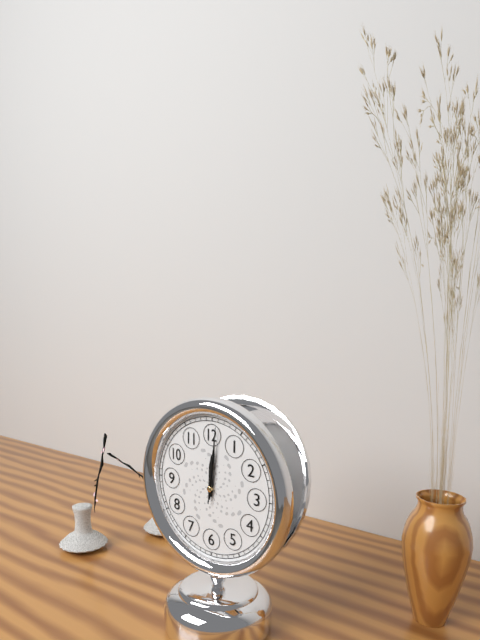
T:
12.01.01
